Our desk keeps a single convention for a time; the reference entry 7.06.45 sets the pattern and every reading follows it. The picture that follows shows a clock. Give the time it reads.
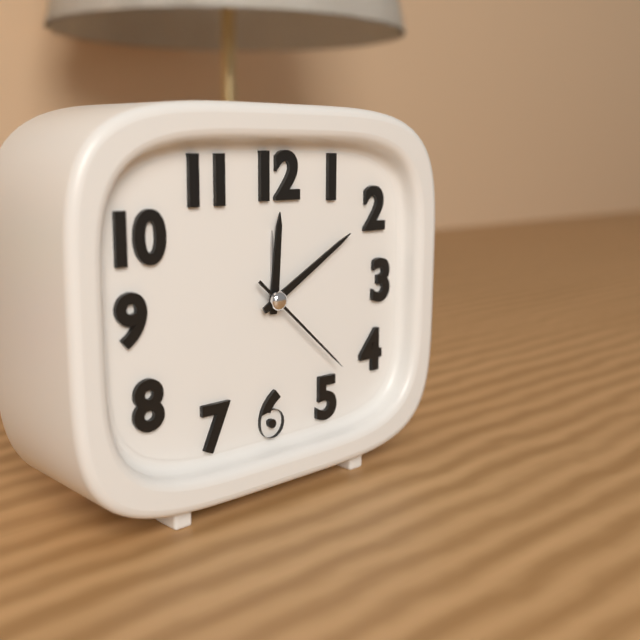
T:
12.10.22
